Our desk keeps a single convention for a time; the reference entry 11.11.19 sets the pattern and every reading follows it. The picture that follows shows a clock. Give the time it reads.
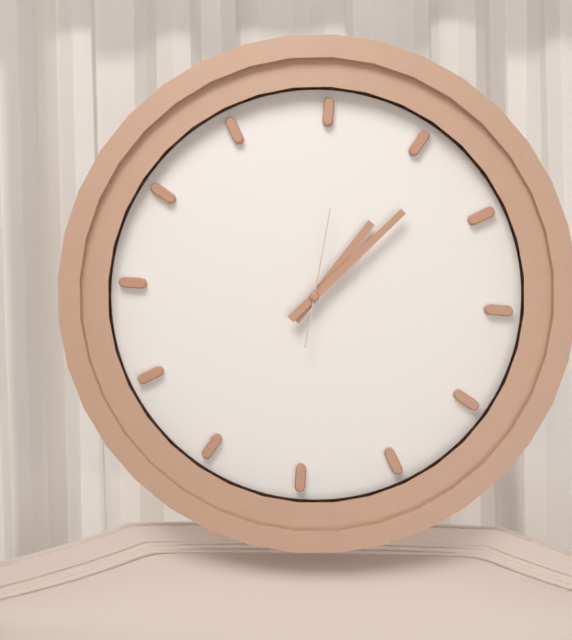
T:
1.07.01
